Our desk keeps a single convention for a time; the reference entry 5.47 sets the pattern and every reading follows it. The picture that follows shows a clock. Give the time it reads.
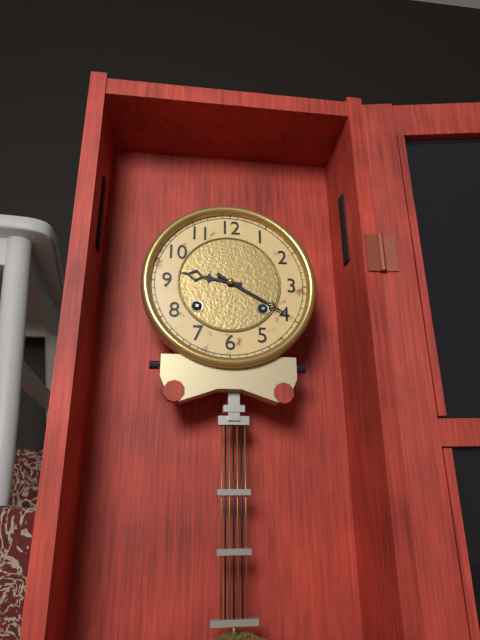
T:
9.20
